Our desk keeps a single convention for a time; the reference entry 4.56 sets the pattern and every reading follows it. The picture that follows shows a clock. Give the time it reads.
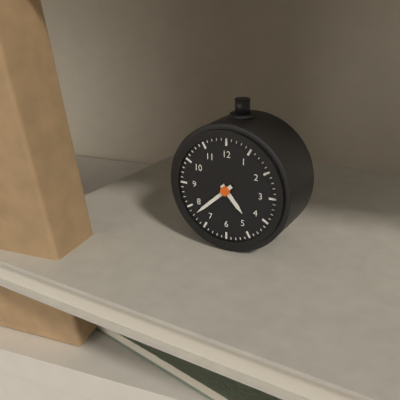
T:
4.38
